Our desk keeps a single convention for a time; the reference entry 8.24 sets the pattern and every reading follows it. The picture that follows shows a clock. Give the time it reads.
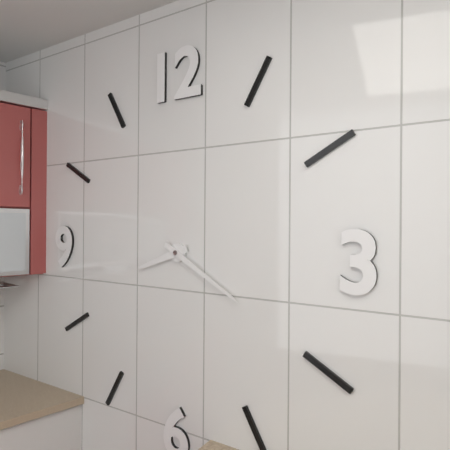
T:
8.20
